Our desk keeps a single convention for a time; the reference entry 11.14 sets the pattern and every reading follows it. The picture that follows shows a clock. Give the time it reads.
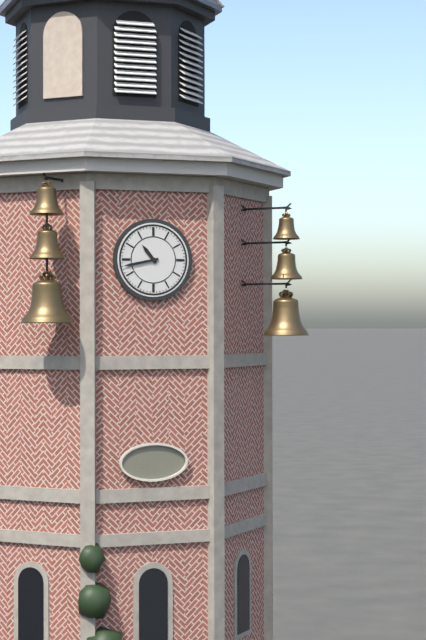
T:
10.43
